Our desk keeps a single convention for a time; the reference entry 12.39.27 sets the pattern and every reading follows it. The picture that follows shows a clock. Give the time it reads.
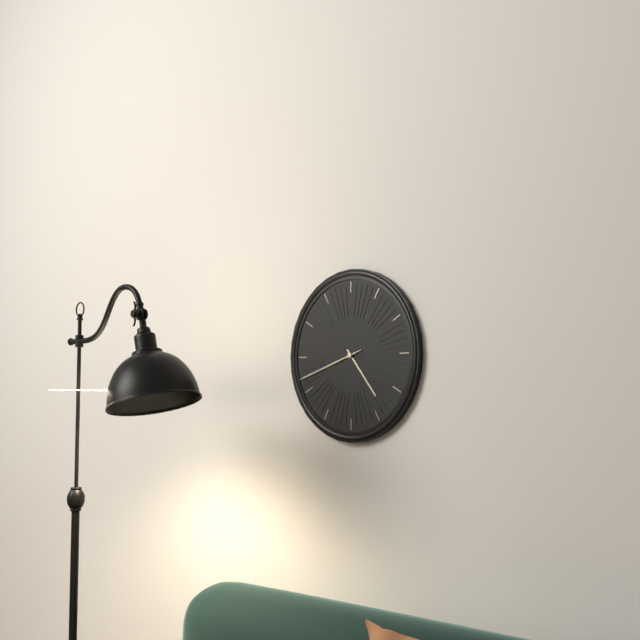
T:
4.42.42
